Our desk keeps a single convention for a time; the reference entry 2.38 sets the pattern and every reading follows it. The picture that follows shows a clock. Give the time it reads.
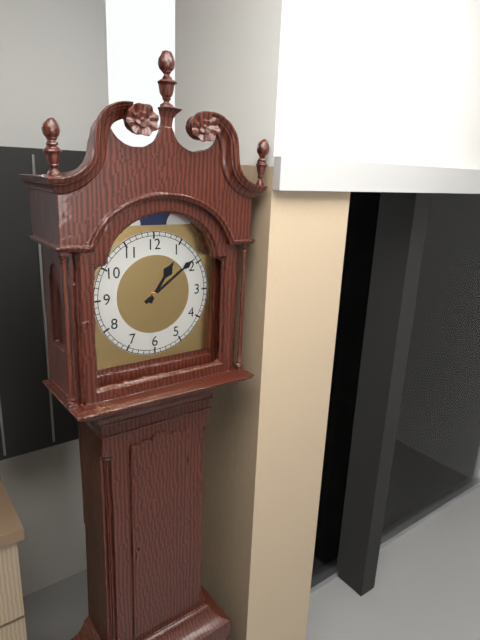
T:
1.09
